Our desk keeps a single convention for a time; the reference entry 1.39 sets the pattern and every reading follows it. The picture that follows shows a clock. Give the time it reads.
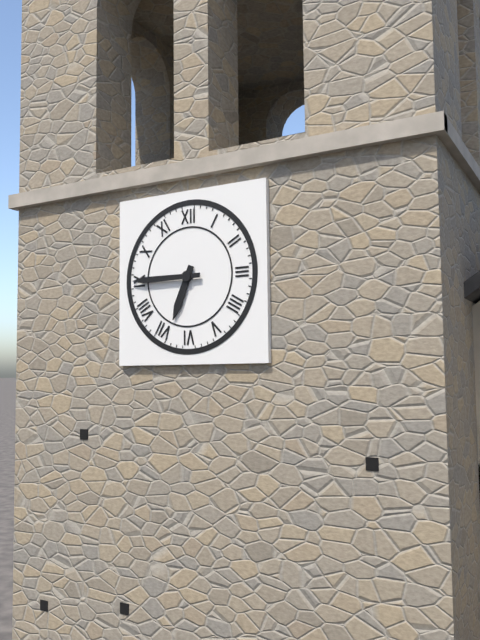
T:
6.45
